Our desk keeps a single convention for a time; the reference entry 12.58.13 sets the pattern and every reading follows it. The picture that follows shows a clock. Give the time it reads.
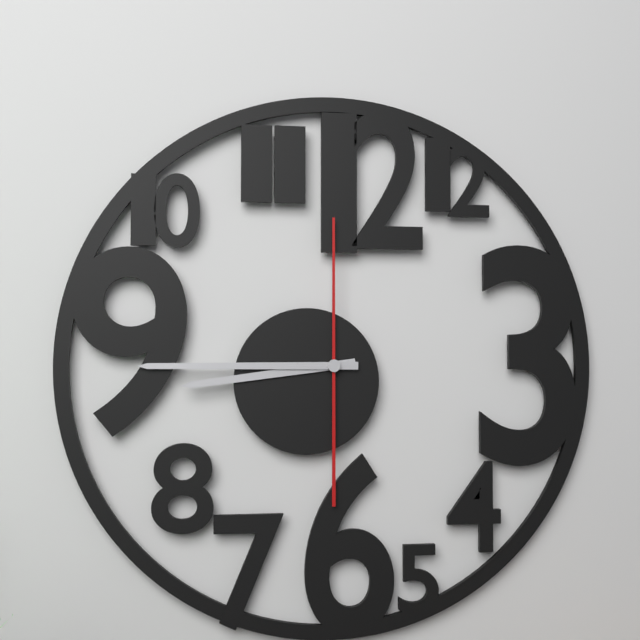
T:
8.45.00
